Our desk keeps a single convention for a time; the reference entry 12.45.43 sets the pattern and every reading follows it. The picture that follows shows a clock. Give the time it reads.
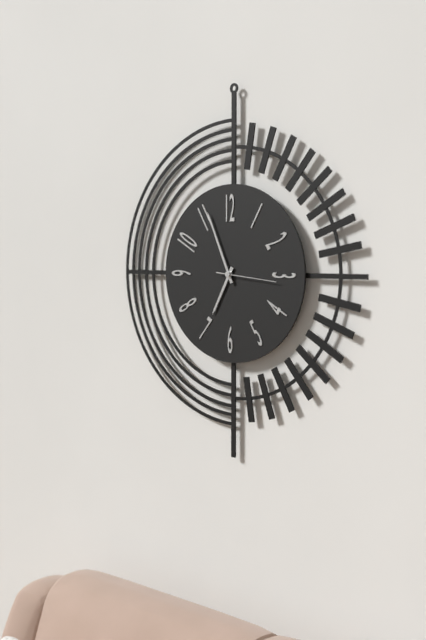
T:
6.56.16
